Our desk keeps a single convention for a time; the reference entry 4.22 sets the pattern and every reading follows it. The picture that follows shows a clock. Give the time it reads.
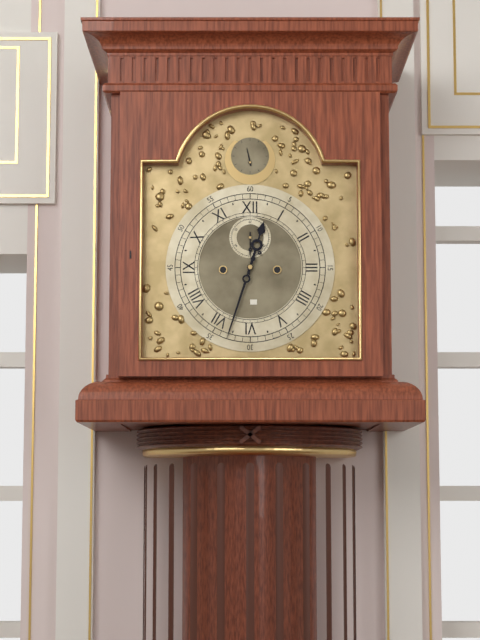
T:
12.33
